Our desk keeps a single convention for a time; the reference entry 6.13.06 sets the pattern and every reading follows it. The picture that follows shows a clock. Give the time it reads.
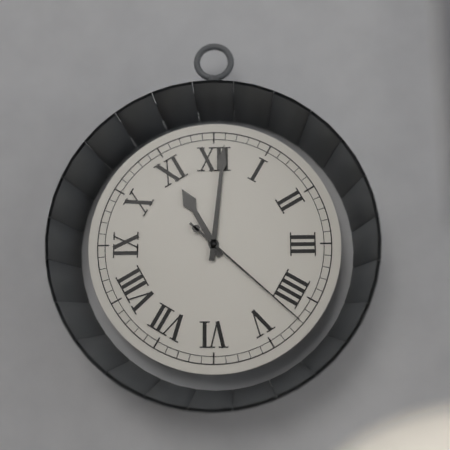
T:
11.01.22
